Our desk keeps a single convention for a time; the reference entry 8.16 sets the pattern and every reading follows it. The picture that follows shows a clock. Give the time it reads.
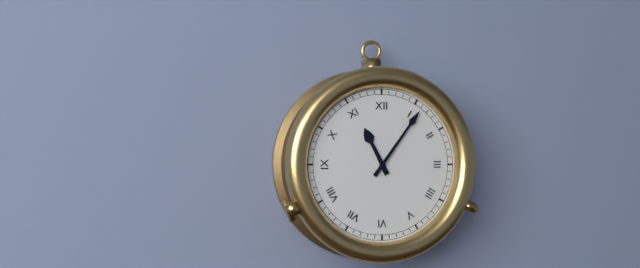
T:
11.06
